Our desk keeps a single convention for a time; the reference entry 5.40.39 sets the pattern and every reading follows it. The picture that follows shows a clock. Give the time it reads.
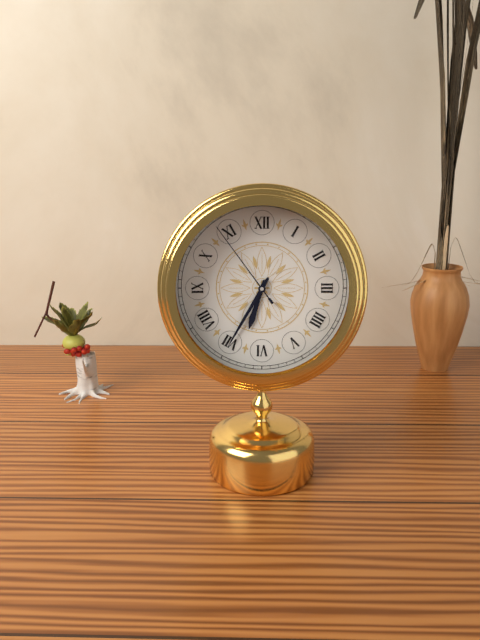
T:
6.35.54
